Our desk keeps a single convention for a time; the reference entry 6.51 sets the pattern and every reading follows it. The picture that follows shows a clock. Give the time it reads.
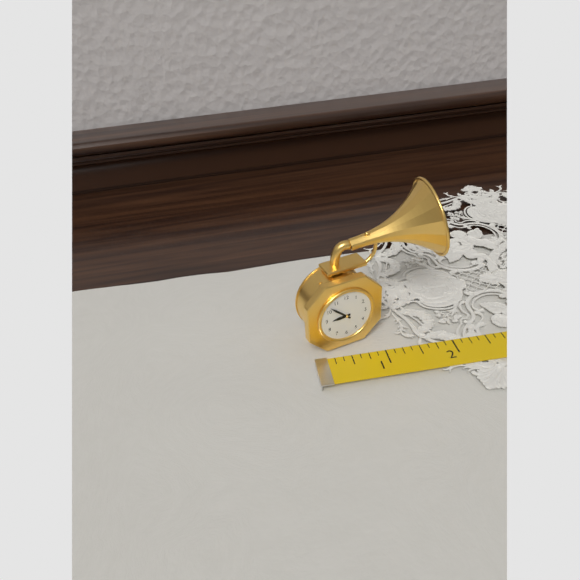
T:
8.52
